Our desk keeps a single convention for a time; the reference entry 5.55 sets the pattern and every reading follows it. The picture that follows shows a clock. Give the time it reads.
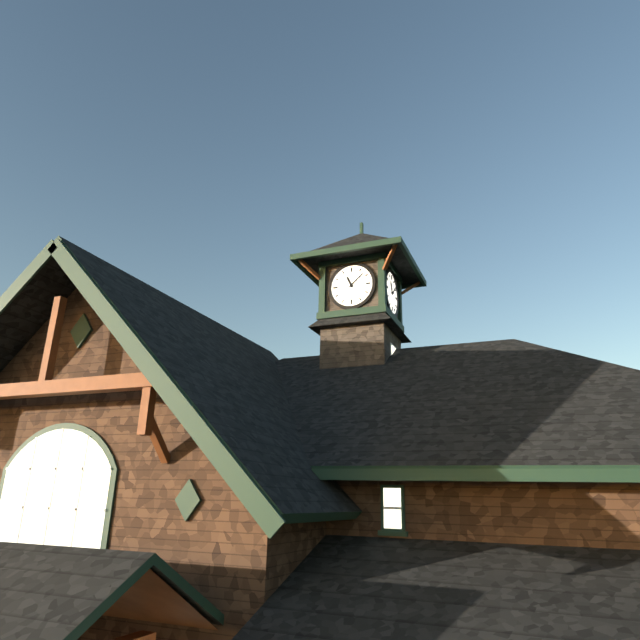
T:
11.08
